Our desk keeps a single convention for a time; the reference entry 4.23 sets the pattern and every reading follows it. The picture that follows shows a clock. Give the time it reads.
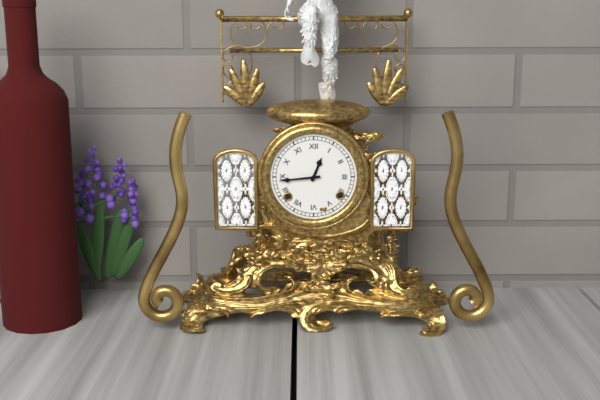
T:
12.44
